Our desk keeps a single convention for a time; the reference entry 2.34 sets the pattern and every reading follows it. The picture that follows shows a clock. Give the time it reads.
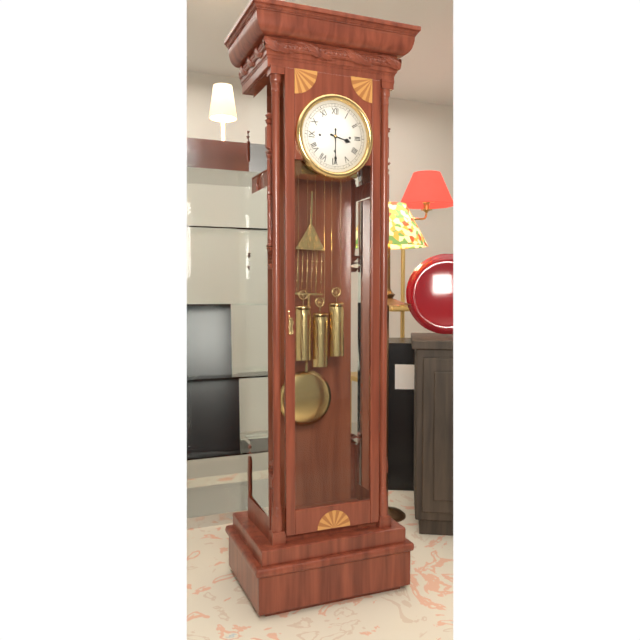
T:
3.30
